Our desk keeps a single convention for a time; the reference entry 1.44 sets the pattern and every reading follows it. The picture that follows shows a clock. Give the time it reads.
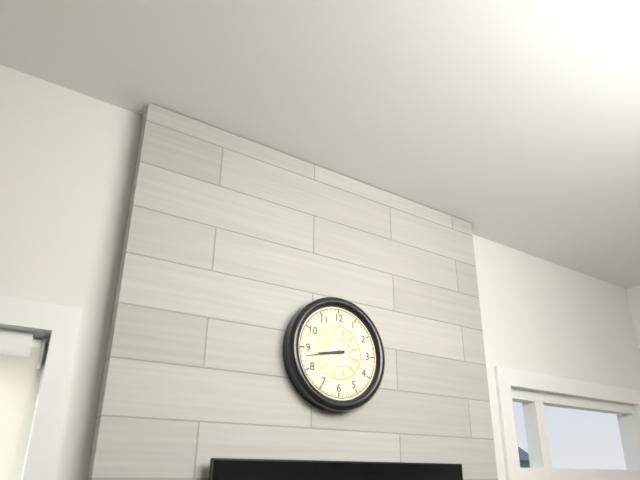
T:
8.43
